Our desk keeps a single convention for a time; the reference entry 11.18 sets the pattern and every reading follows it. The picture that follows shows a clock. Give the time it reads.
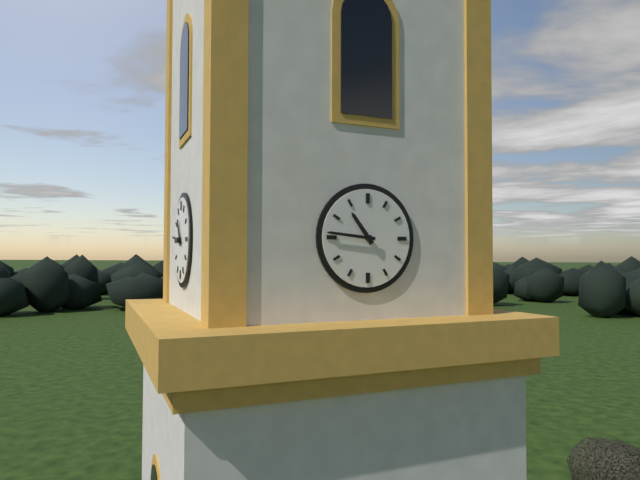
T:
10.46
